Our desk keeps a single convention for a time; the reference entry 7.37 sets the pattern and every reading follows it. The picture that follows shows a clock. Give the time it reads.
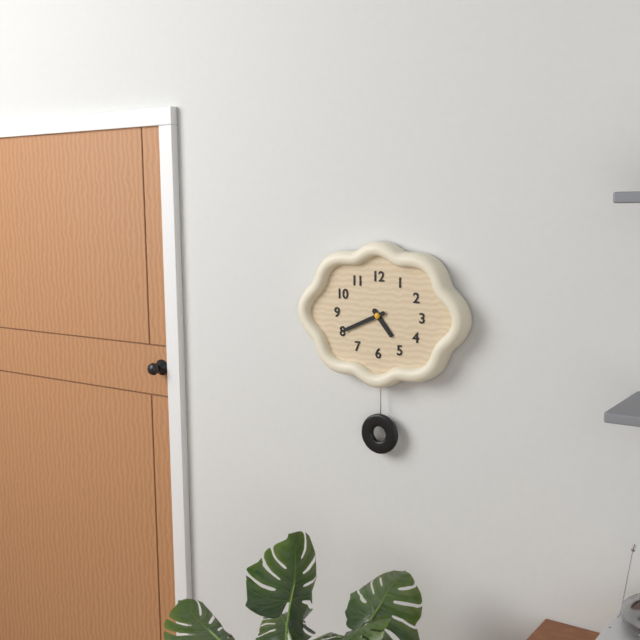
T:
4.41
